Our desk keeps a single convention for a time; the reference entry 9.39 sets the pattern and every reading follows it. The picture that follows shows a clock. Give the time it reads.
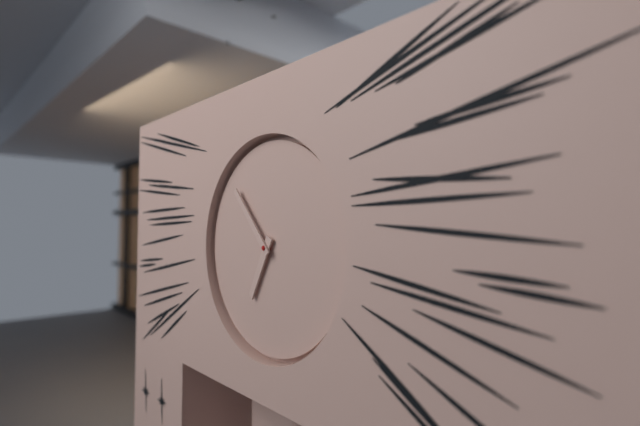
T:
6.53
